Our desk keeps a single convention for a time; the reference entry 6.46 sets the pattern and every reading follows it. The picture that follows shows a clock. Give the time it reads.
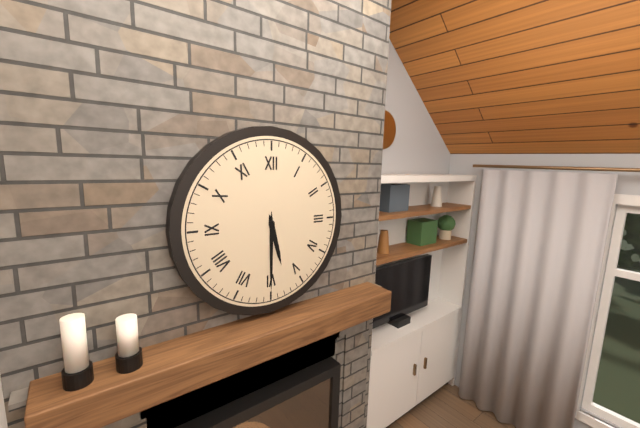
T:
5.30
